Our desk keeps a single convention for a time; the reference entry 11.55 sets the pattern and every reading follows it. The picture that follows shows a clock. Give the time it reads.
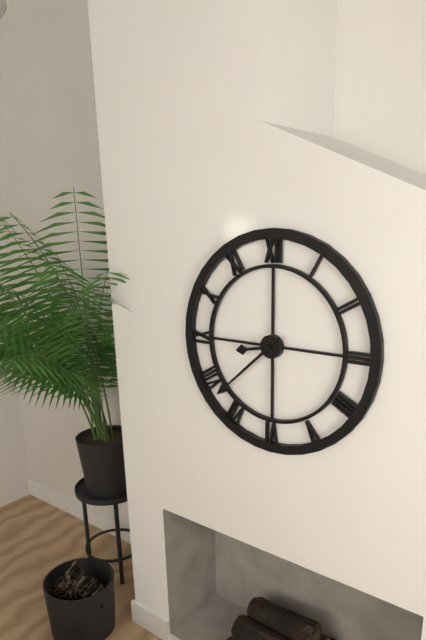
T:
8.38
